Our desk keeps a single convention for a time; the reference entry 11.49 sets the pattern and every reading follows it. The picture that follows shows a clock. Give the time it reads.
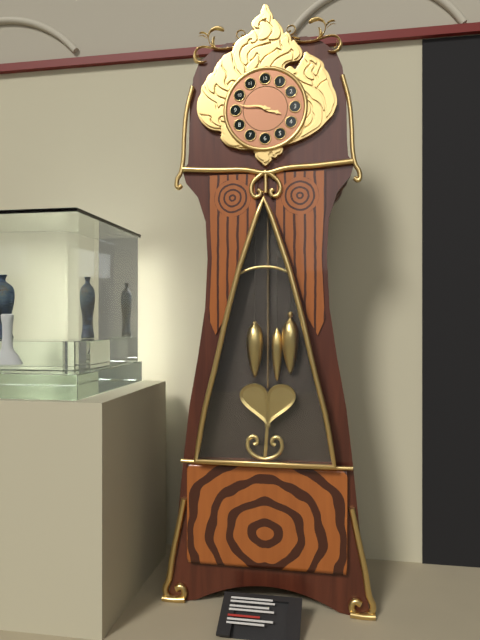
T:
3.47
